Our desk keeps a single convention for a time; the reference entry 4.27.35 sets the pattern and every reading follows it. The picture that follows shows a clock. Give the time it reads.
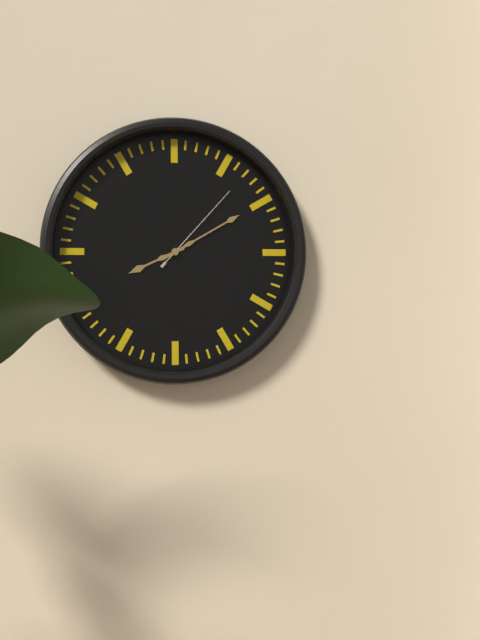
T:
8.10.07
